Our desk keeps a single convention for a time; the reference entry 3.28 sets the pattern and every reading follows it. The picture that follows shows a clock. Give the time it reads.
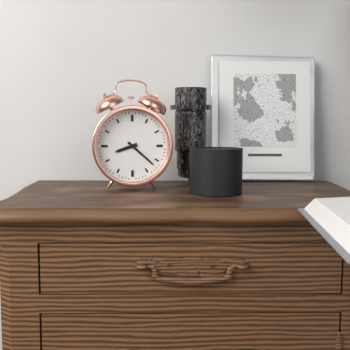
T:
8.22
